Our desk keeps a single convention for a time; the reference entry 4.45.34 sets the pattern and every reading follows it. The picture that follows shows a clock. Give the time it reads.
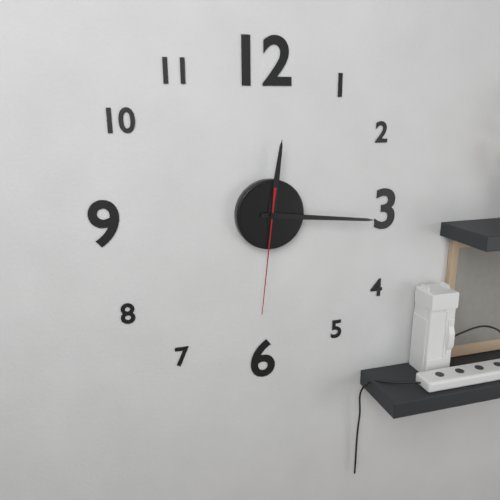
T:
12.16.31
